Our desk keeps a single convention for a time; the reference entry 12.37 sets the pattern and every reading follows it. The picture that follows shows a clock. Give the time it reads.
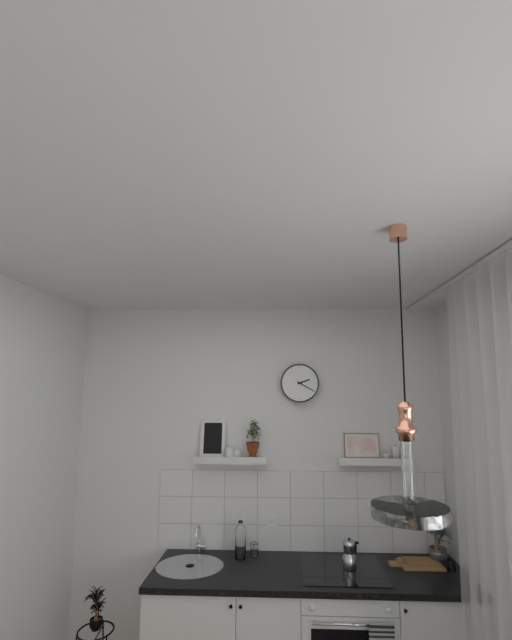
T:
2.20
